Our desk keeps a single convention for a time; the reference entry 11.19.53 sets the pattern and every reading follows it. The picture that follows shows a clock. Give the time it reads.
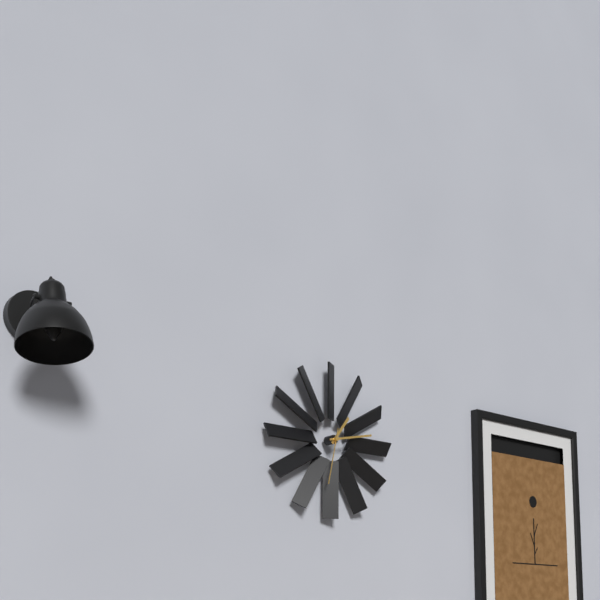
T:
1.13.32
